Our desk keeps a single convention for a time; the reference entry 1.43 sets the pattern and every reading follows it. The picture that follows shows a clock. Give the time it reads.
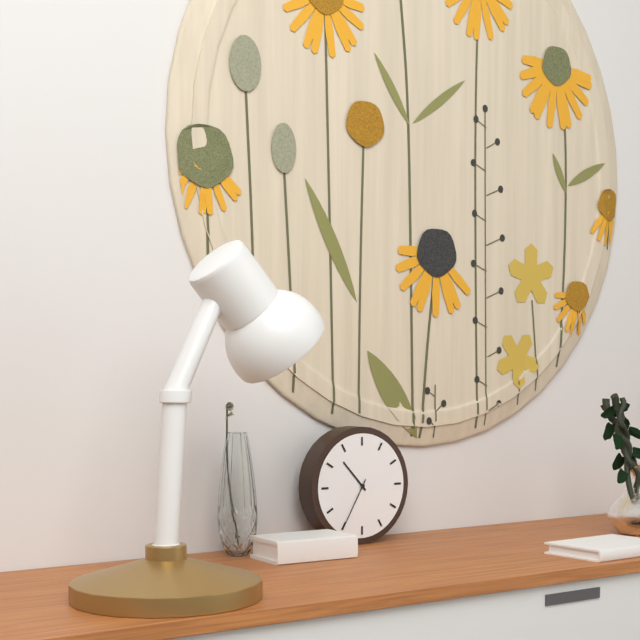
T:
10.35
